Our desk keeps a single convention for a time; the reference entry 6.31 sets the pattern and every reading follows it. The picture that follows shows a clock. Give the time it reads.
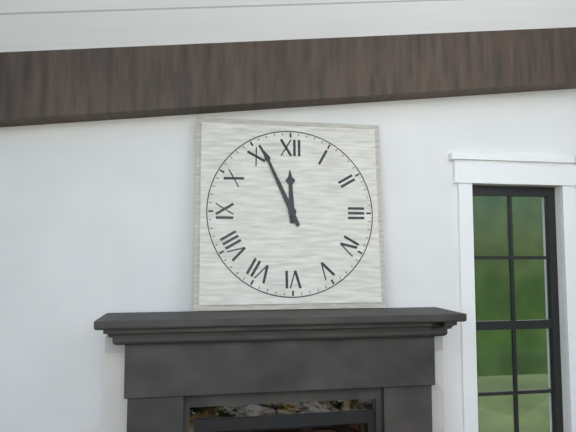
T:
11.56
